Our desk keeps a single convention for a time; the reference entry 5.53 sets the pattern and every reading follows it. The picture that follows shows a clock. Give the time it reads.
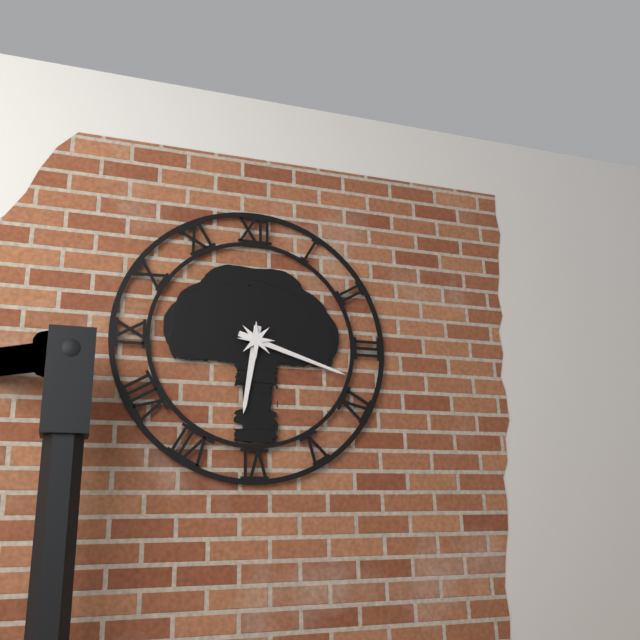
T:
6.18
